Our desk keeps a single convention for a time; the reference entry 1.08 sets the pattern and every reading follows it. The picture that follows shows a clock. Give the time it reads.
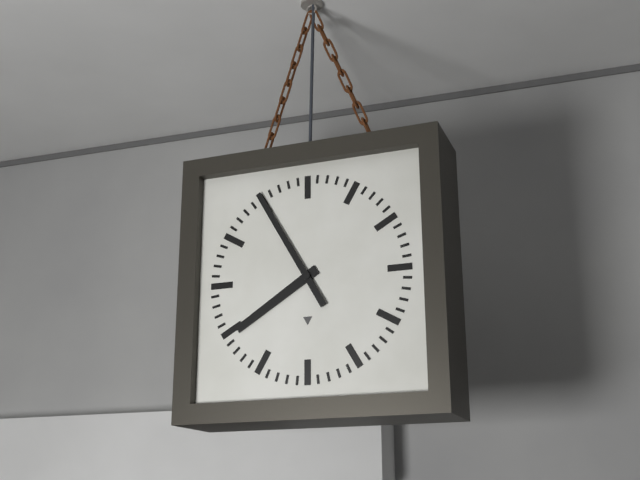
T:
7.55
